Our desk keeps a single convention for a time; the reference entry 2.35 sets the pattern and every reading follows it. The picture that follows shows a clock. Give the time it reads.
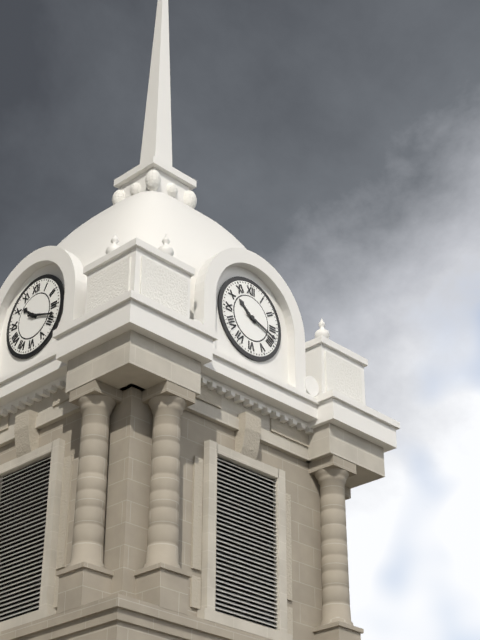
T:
10.18
